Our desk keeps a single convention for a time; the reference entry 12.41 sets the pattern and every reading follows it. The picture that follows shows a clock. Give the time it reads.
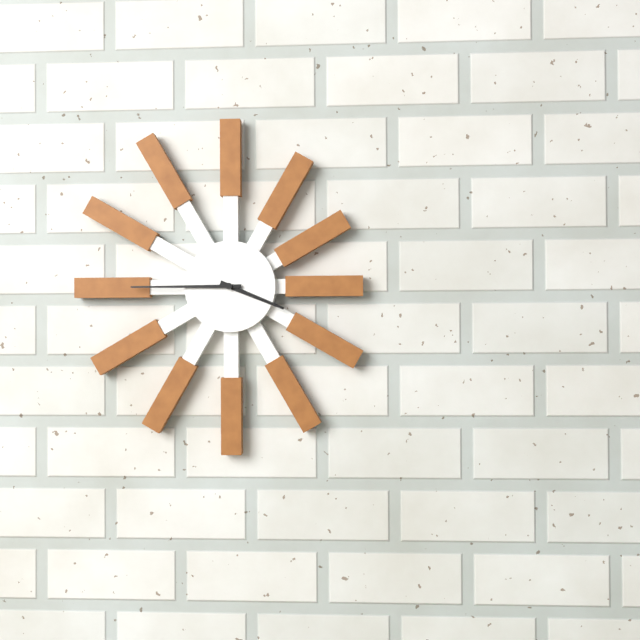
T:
3.45
